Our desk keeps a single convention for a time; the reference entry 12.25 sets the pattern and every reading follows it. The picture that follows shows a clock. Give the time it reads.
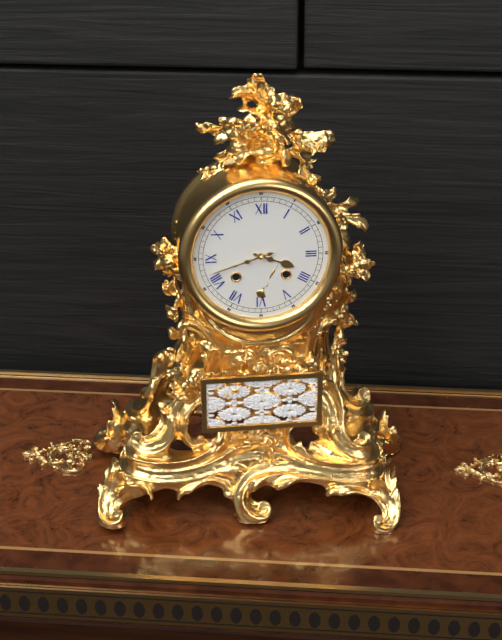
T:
3.42
